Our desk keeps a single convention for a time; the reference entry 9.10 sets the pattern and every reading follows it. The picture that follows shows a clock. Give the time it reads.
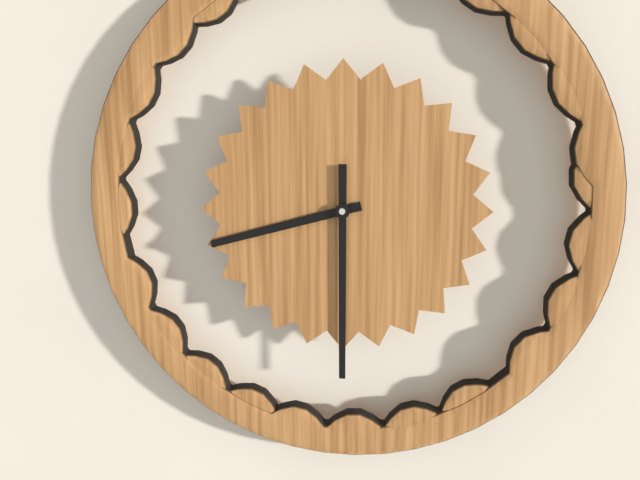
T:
8.30
